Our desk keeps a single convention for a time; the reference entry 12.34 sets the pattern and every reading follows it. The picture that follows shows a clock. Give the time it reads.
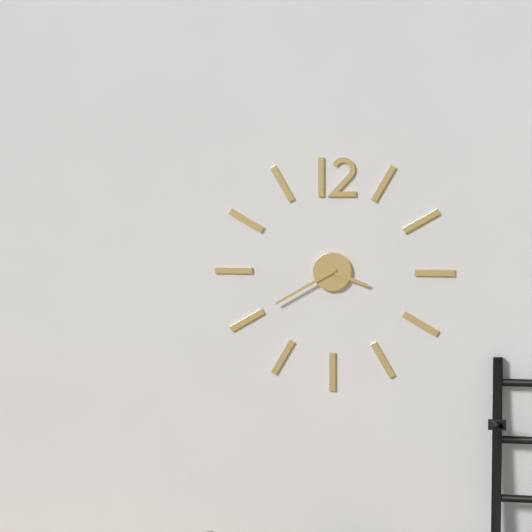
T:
3.40
